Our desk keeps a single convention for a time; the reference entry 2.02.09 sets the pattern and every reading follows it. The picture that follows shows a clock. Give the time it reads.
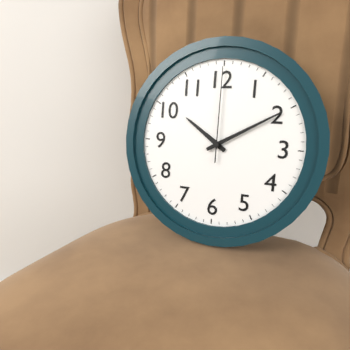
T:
10.10.00
